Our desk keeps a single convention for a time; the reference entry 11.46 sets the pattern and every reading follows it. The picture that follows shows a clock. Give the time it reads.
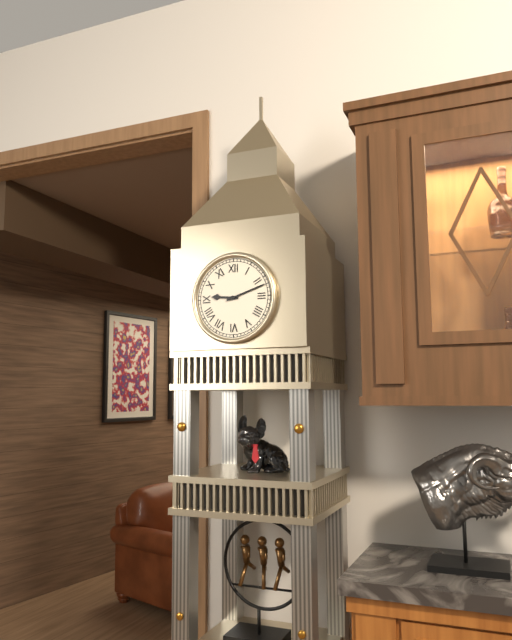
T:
9.12
